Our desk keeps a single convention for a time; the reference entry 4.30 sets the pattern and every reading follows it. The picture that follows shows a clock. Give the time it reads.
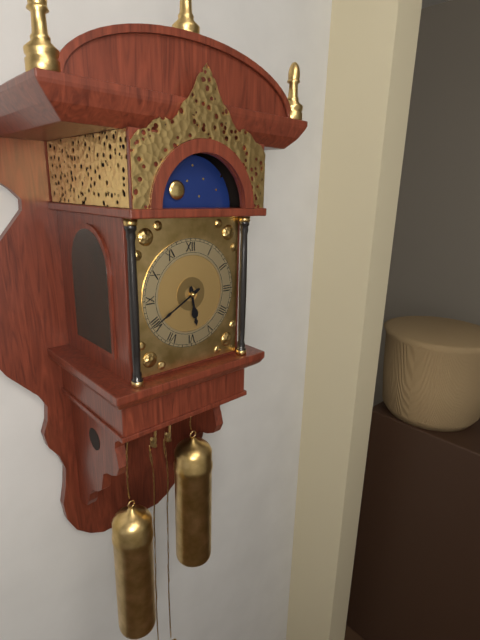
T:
5.40
